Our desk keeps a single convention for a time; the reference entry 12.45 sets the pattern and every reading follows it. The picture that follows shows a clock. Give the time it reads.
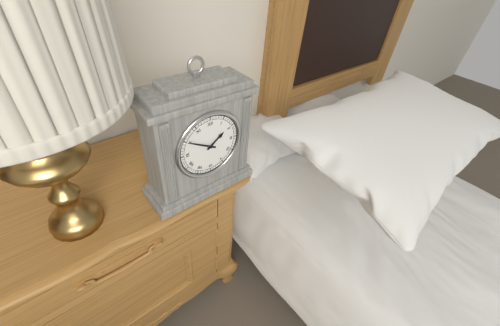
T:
1.50
